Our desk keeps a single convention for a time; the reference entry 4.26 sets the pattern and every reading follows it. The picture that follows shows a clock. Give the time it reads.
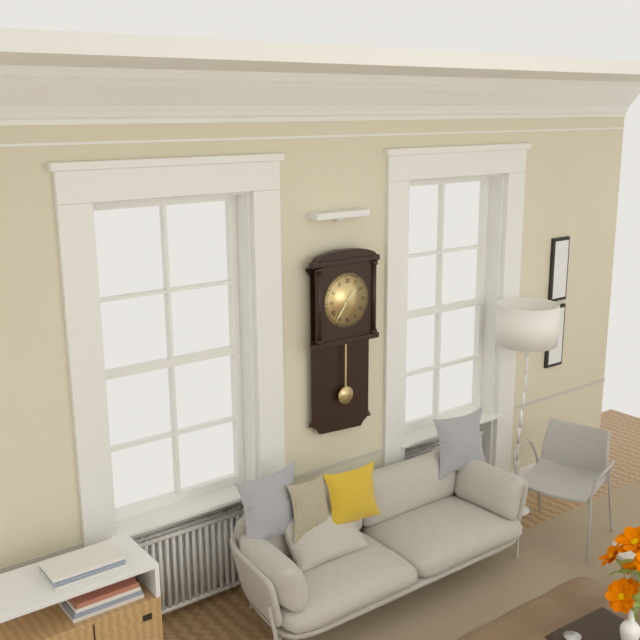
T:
1.36
